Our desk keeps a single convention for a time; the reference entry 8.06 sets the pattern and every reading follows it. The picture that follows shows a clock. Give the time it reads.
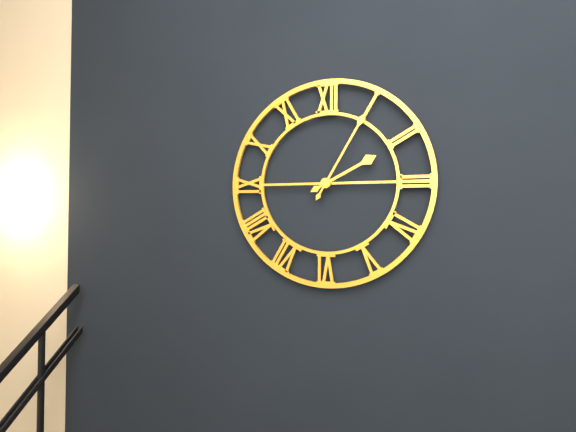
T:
2.05
